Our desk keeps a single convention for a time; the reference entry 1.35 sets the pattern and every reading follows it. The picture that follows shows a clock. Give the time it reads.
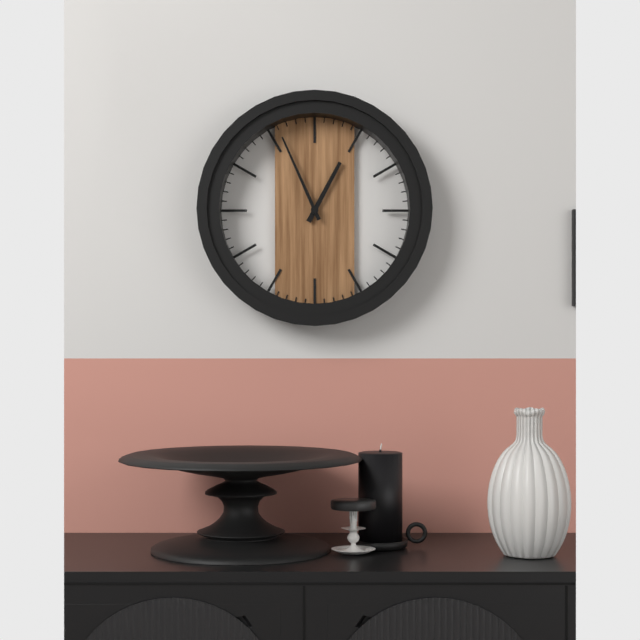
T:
12.56
